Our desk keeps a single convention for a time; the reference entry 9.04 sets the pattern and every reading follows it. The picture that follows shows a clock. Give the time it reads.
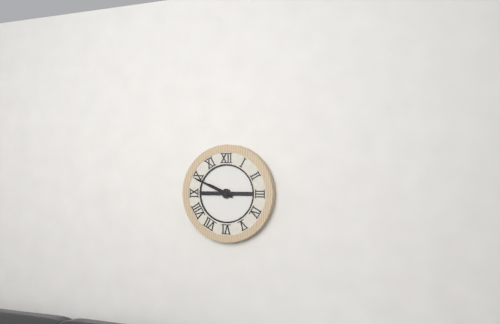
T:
9.49
